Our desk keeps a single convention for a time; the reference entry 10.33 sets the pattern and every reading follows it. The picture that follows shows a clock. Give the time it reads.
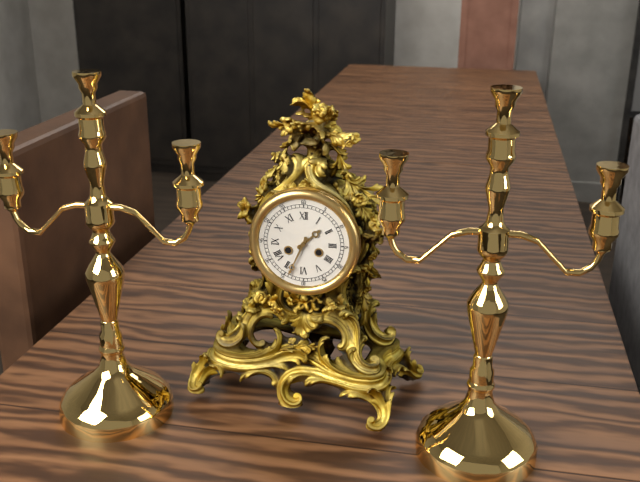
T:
1.34
